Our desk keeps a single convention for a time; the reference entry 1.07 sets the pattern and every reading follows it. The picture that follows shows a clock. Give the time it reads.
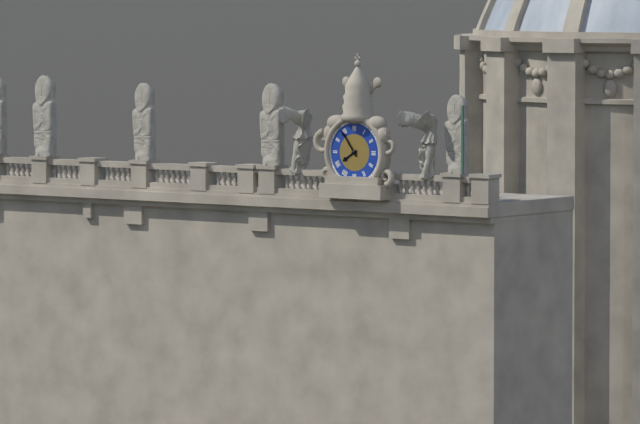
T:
7.54
